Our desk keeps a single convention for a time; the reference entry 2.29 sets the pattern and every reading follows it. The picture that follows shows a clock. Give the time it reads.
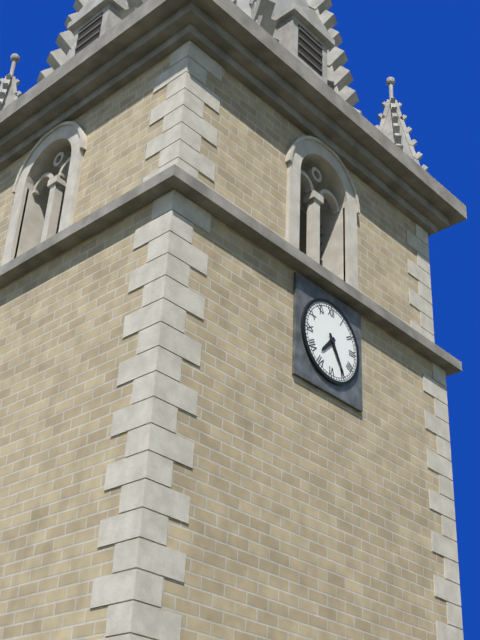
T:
7.25
